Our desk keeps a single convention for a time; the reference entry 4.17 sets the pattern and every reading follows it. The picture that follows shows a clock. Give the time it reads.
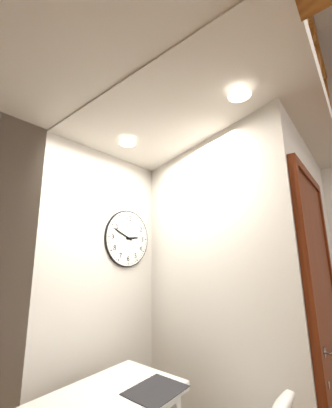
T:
2.49
